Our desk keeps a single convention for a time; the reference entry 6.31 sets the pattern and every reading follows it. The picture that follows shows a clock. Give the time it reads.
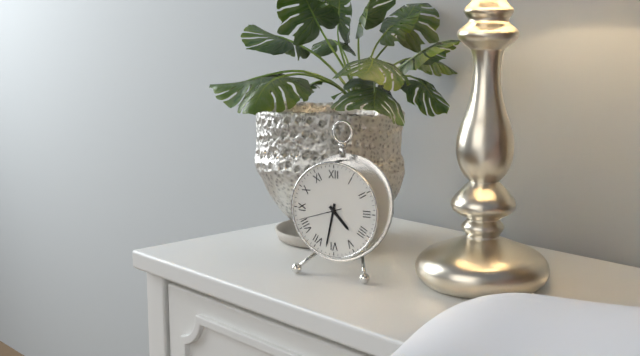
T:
4.32
